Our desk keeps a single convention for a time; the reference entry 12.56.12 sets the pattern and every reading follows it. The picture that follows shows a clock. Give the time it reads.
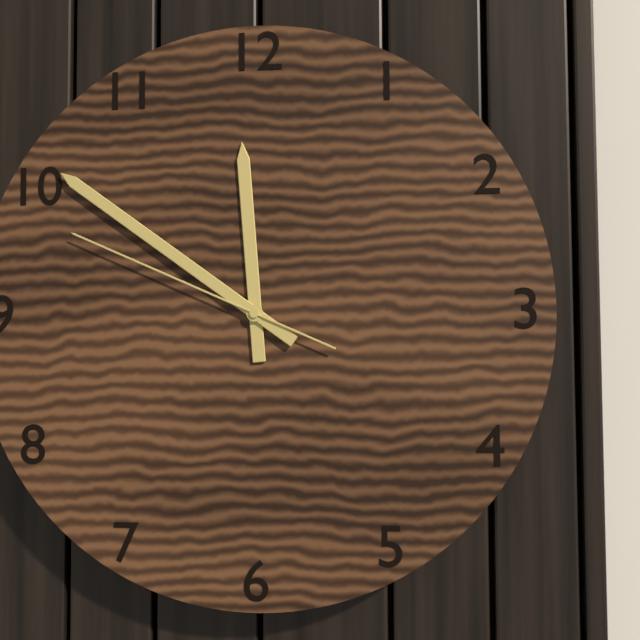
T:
11.51.49
